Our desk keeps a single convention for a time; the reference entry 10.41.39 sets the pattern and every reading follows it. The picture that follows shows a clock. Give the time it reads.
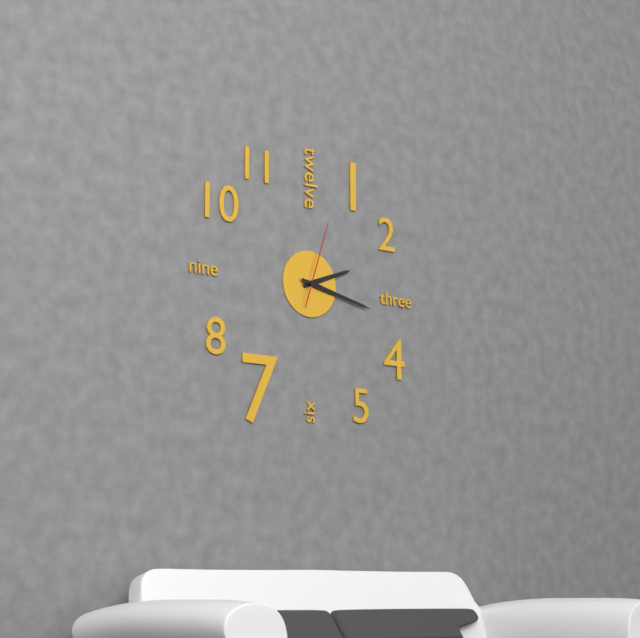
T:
2.17.03
